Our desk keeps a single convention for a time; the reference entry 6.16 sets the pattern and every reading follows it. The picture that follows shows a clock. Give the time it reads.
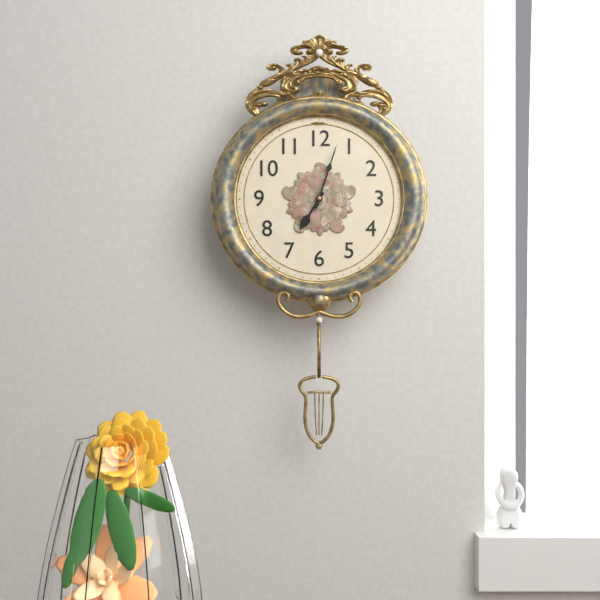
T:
7.03
